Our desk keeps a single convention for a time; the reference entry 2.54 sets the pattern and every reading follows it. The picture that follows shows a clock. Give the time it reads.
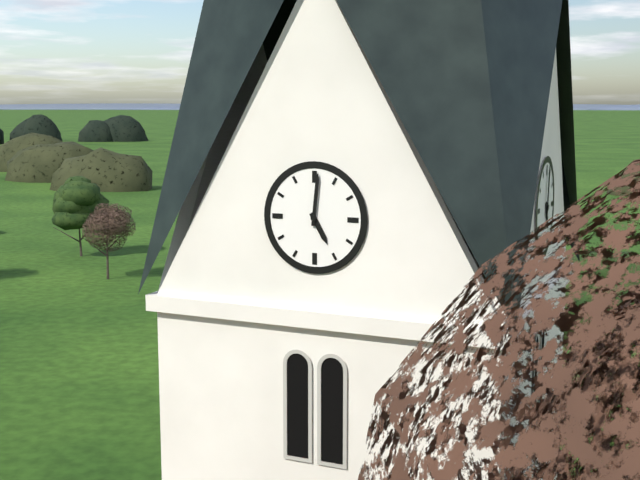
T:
5.01
